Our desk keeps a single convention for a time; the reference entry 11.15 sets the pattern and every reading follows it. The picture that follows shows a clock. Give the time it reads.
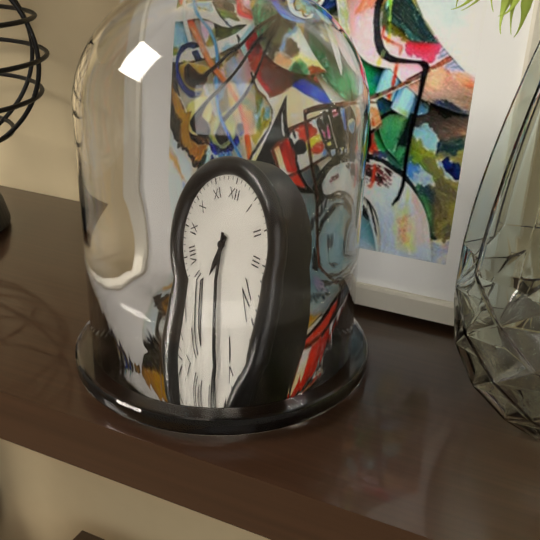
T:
6.29
